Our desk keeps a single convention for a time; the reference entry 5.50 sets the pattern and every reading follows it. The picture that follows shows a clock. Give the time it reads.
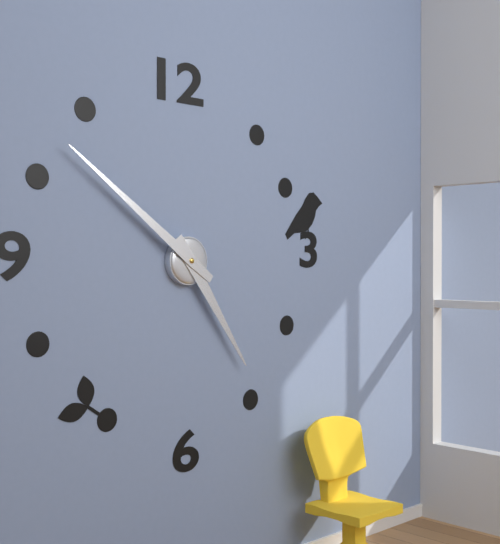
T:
4.51
